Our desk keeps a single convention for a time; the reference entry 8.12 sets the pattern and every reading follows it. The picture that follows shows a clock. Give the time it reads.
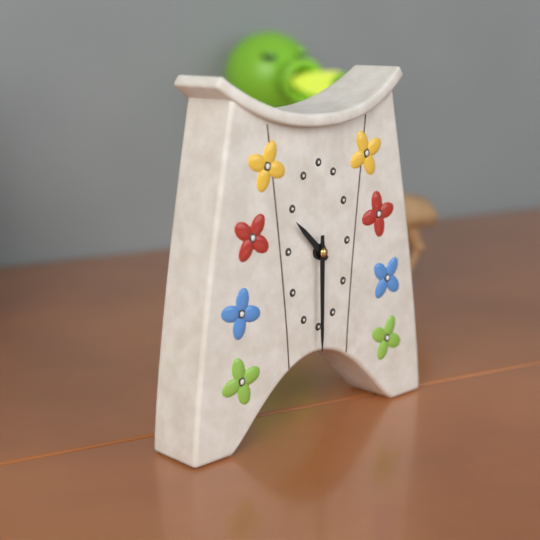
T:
10.30
